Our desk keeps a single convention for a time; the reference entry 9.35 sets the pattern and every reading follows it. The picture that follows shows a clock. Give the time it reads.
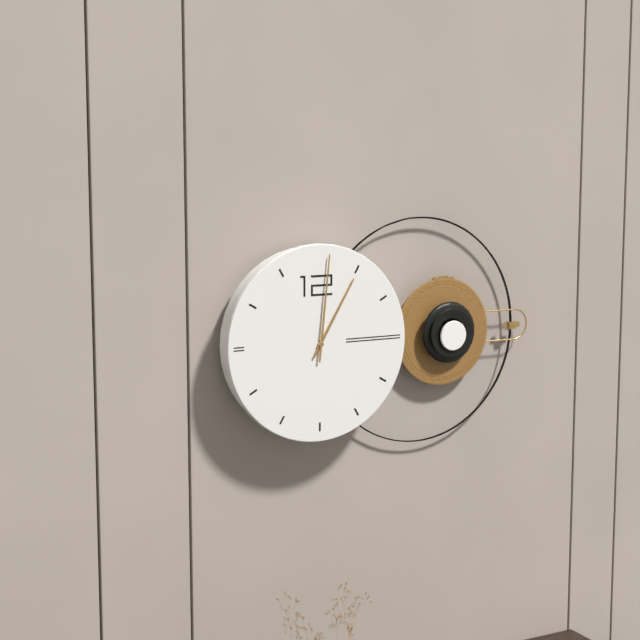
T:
1.01
